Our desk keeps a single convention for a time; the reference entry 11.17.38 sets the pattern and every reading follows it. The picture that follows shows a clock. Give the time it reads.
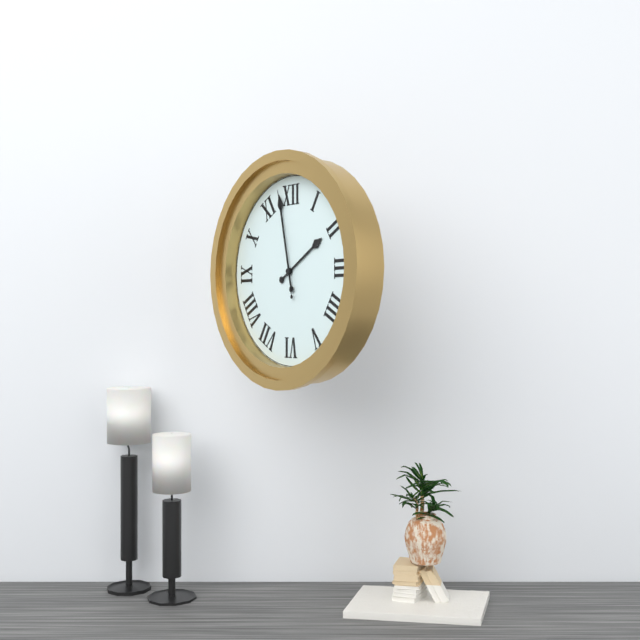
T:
1.58.58
